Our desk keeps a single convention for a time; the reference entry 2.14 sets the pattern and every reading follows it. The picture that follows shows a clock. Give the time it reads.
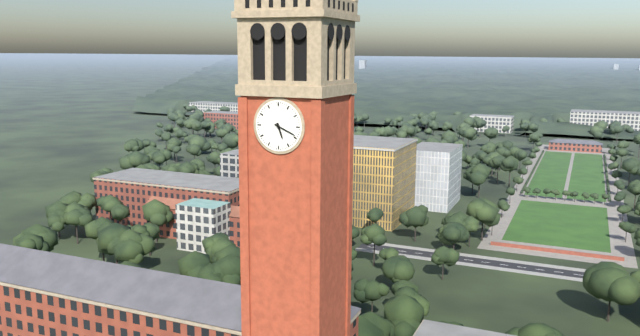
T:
5.19
